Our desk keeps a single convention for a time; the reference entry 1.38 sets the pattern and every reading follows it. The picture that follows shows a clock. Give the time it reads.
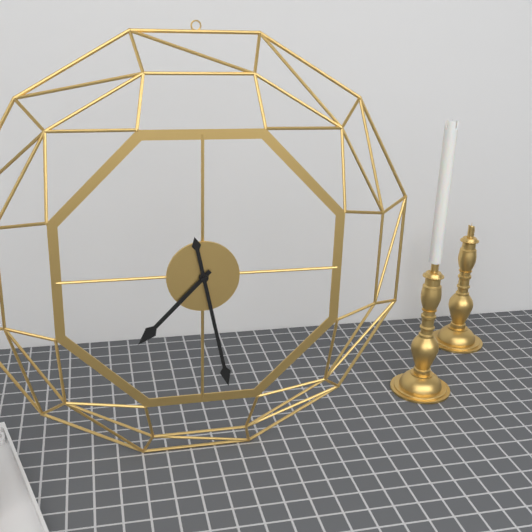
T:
7.28
